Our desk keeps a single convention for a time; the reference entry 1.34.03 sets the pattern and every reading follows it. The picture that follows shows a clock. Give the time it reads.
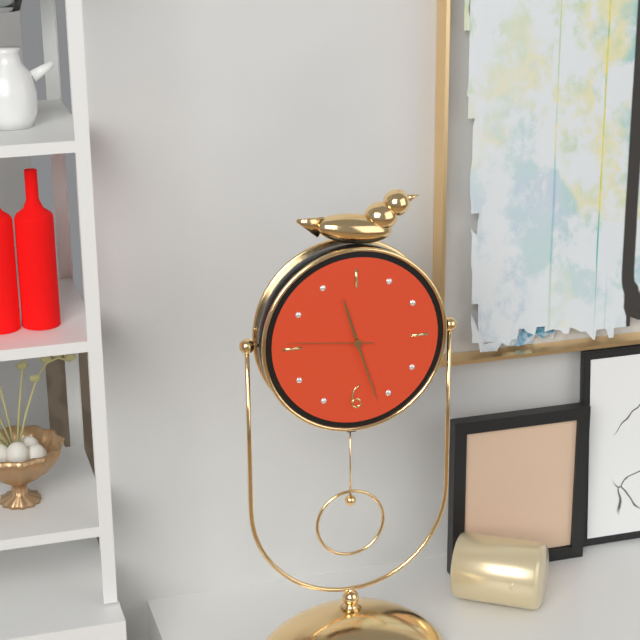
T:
11.27.46
